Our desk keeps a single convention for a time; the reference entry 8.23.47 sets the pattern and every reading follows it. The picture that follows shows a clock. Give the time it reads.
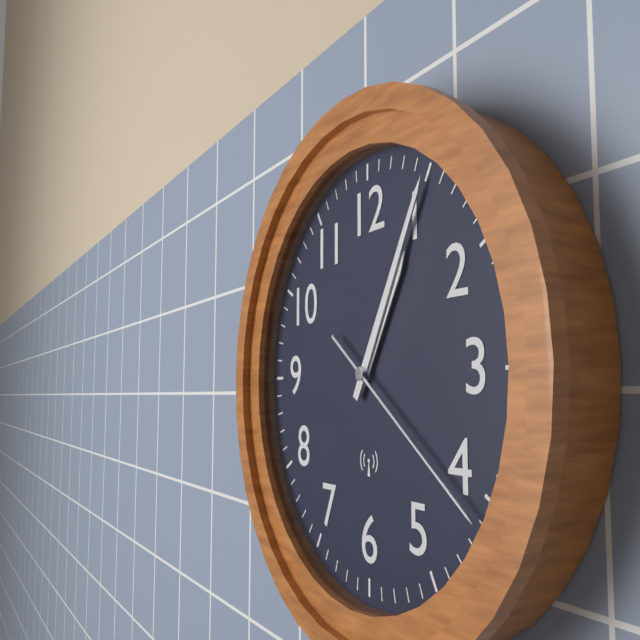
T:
1.05.21
